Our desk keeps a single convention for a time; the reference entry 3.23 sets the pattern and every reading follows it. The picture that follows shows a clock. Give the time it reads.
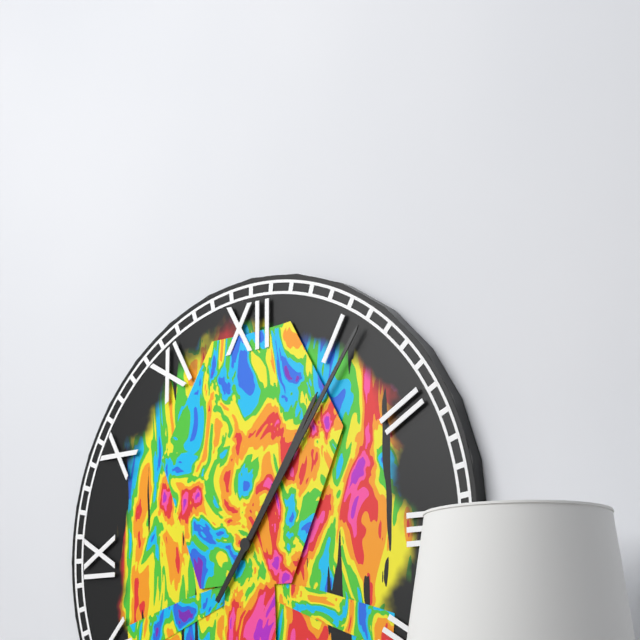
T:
1.06
